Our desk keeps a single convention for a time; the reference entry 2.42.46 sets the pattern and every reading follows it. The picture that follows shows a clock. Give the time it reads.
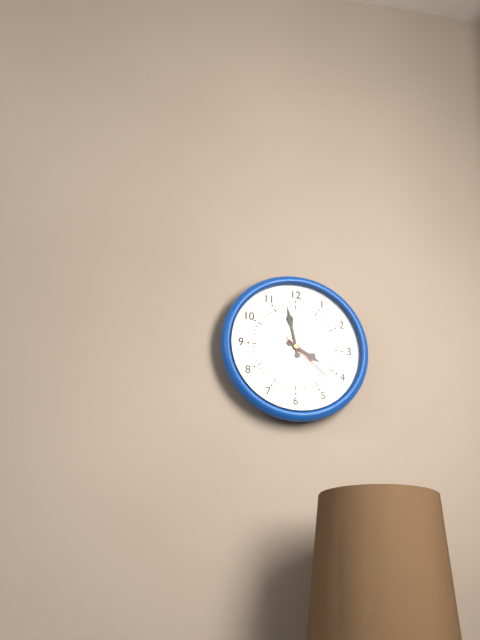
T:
3.58.22
